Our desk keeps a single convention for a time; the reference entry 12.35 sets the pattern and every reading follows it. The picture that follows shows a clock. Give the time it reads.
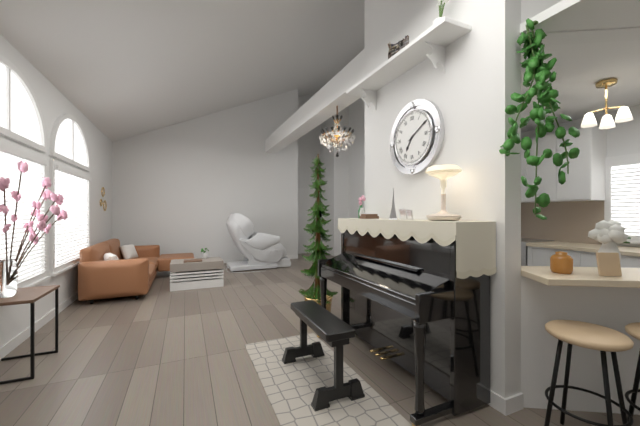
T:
7.10
